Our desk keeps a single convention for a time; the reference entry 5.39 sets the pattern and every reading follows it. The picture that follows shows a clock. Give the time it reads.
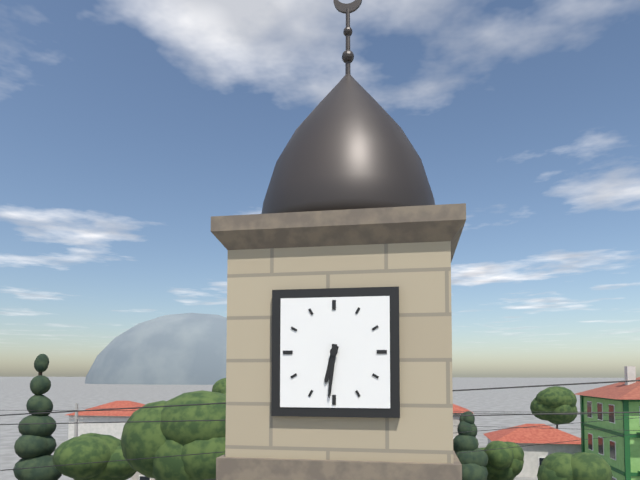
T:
6.31
